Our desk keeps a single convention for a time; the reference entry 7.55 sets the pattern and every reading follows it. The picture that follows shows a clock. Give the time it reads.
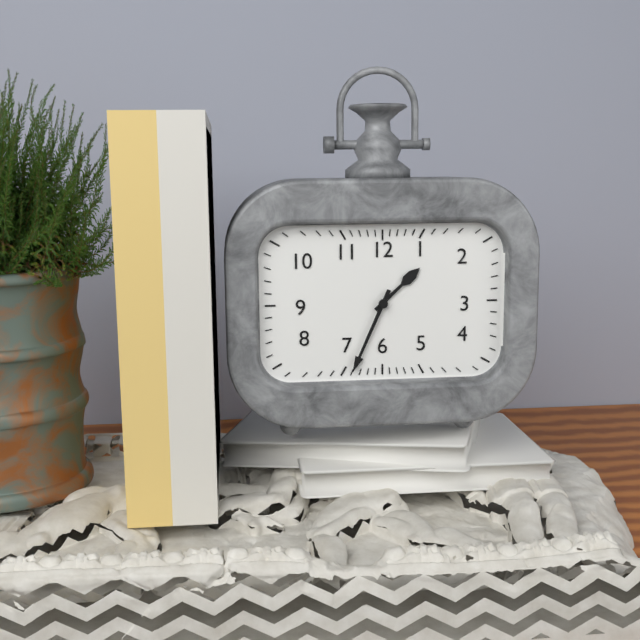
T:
1.34
